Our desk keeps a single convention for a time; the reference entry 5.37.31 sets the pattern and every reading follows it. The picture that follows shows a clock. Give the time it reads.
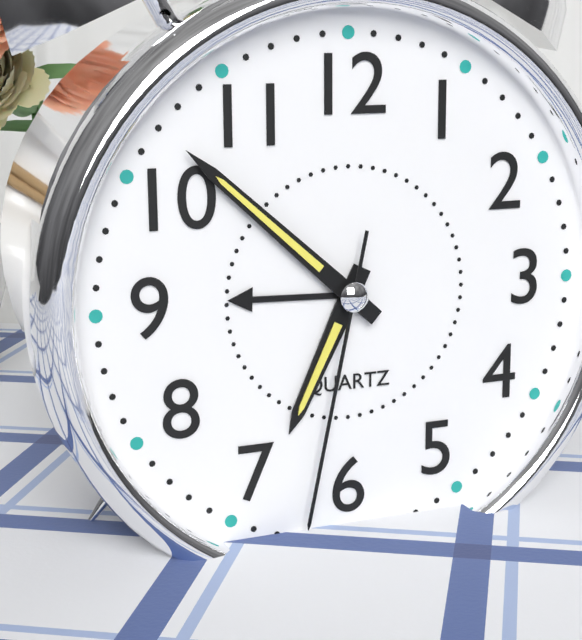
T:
6.52.32
